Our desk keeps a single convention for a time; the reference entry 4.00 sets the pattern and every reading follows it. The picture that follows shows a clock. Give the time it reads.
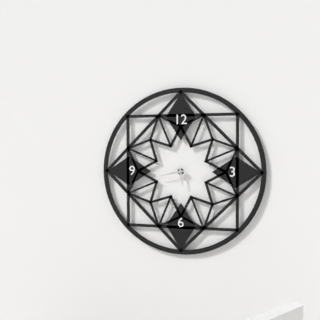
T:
5.43
